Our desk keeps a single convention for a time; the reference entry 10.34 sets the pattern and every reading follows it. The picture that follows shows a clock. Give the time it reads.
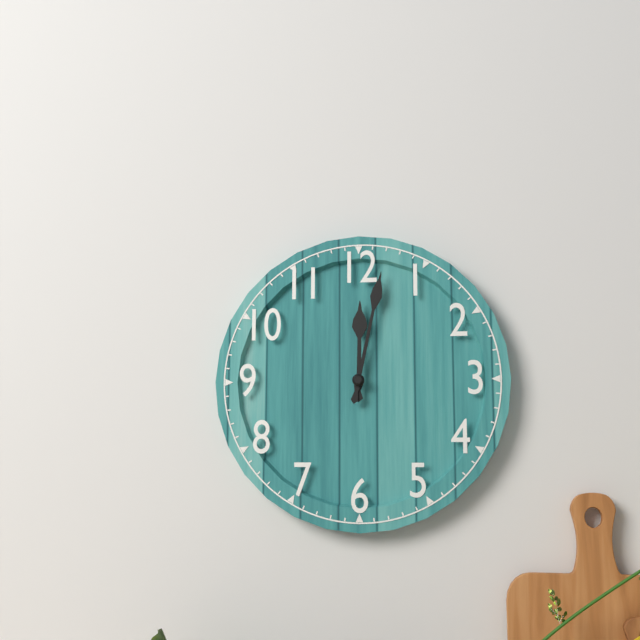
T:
12.02
